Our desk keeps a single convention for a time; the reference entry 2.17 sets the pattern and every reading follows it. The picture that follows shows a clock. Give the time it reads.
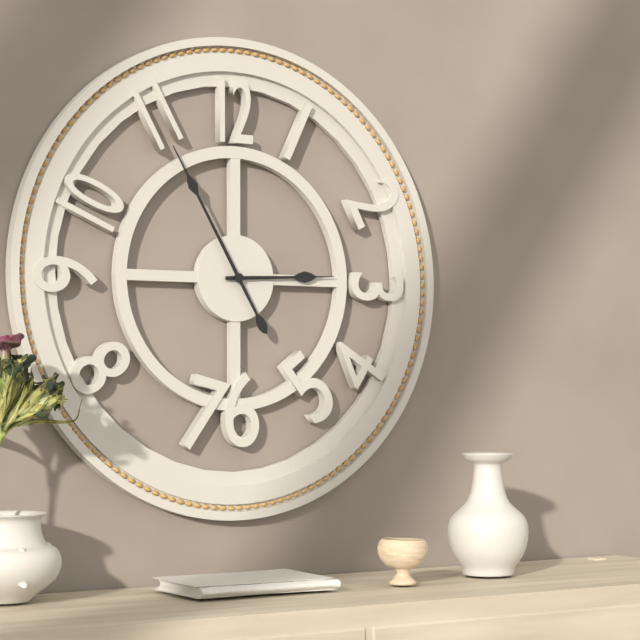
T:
2.55
